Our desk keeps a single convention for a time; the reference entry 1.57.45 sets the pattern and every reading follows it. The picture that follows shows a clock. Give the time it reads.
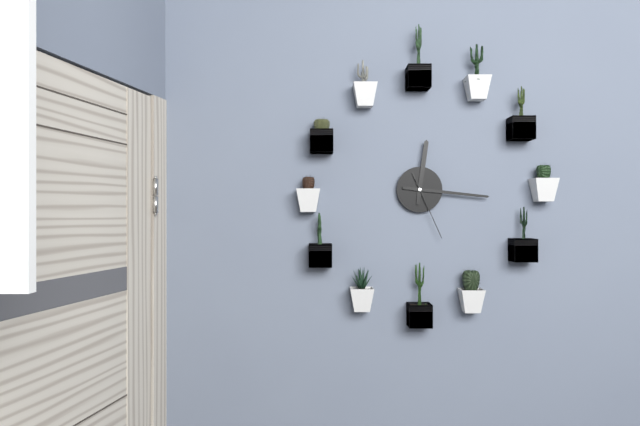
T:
12.16.26
